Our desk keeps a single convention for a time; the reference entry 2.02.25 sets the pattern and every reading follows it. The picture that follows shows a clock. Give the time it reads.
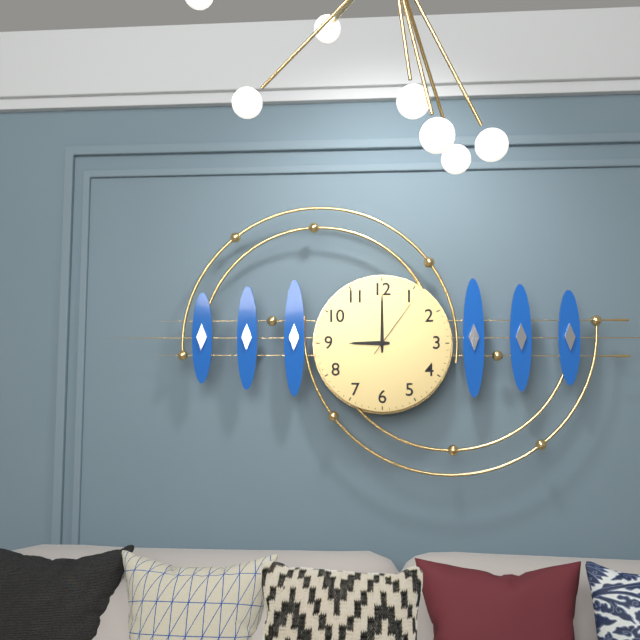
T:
9.00.06
